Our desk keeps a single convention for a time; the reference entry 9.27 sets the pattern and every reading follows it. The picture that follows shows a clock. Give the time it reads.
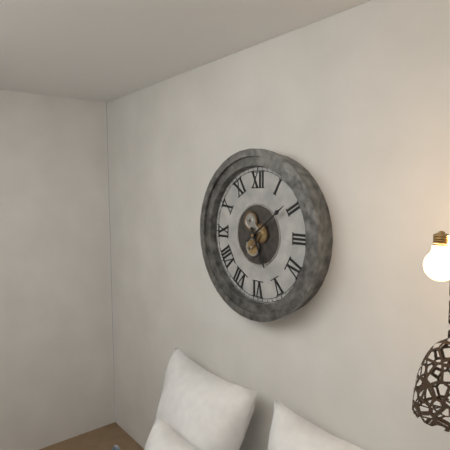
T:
5.09
